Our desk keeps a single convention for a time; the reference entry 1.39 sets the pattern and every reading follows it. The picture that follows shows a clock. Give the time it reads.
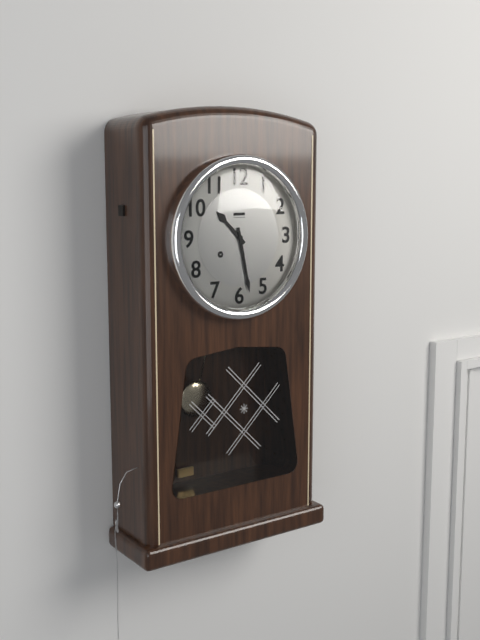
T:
10.28
